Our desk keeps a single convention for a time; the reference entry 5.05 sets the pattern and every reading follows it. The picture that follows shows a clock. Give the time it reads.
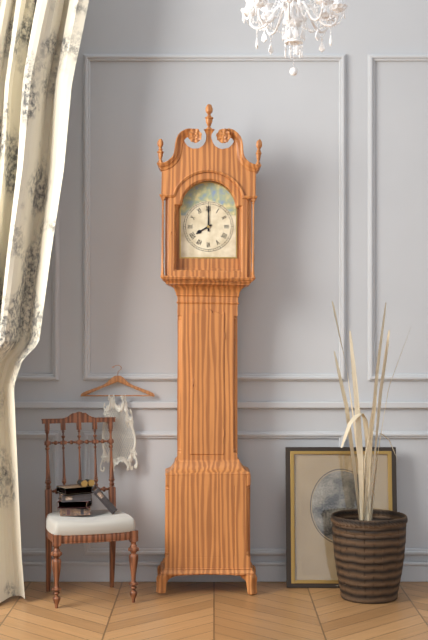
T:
8.00
